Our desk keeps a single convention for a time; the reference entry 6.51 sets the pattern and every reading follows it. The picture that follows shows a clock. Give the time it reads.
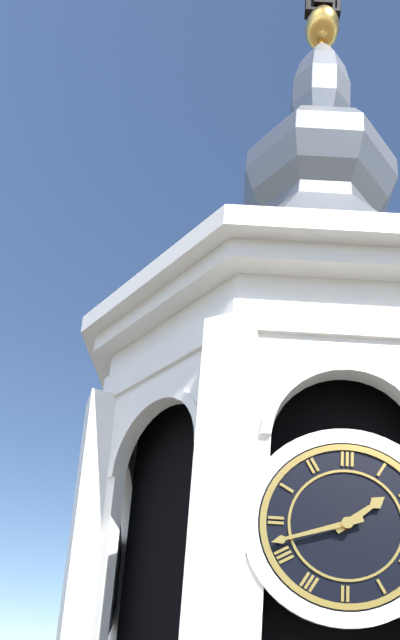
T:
1.42
